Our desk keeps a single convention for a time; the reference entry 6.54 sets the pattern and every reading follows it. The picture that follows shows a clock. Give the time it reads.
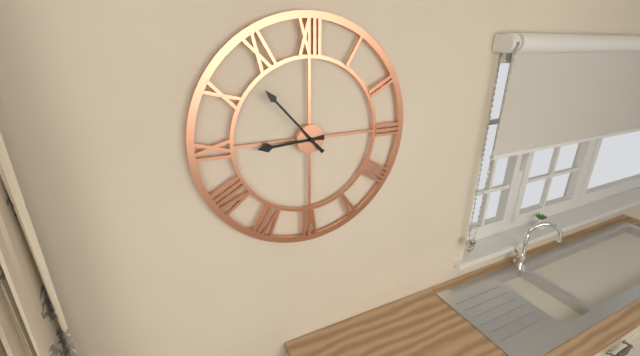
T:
8.53
